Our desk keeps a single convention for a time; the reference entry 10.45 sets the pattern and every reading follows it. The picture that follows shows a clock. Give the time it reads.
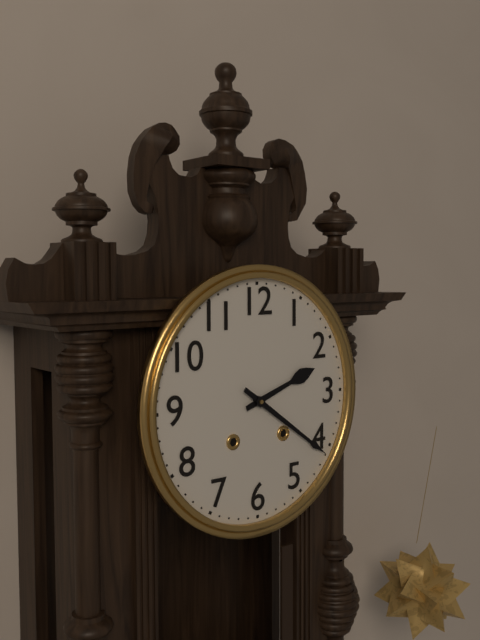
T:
2.21
